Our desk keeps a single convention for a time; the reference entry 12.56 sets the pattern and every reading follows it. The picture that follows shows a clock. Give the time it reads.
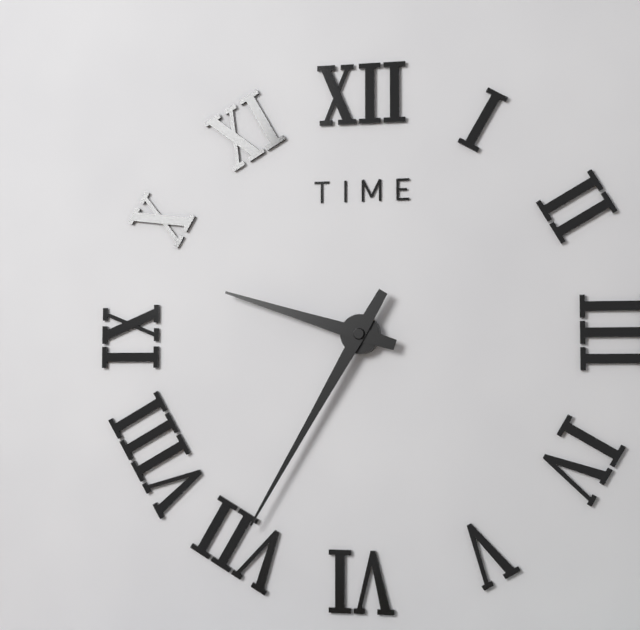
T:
9.35
